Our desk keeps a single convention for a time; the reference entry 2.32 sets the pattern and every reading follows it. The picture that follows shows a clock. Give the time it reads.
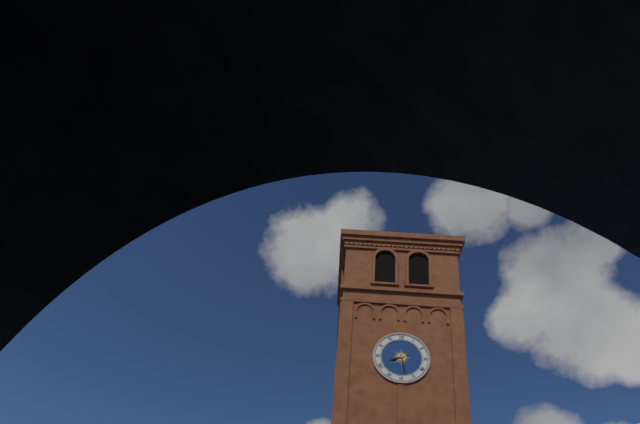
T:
8.28
